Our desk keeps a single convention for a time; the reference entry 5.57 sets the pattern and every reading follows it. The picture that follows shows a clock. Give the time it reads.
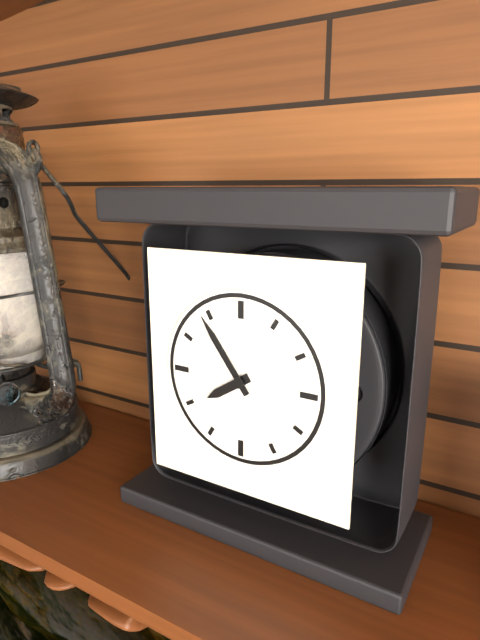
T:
7.54
